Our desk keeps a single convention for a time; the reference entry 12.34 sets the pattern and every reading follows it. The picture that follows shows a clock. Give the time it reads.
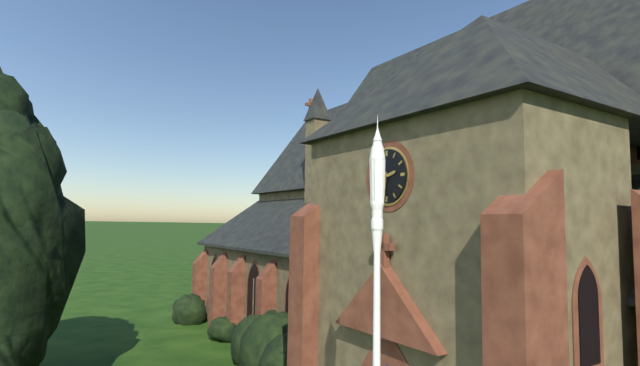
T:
2.31
